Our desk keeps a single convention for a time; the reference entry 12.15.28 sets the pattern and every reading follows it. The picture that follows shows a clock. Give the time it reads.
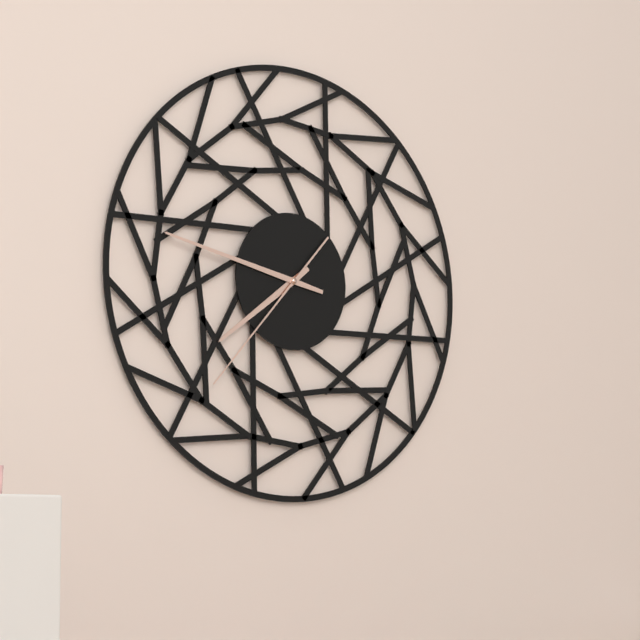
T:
7.47.37
